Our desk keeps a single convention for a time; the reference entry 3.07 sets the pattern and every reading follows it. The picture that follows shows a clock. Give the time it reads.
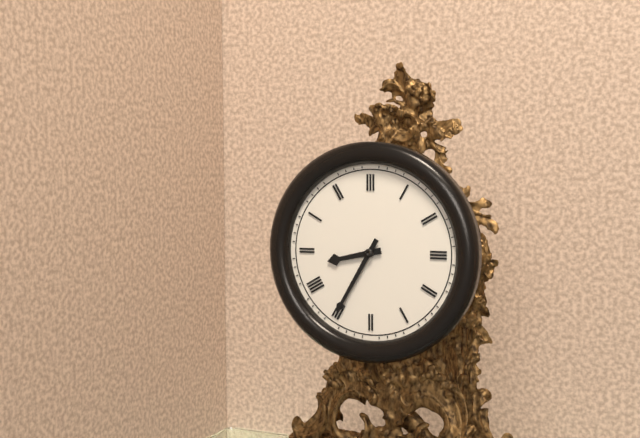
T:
8.35
